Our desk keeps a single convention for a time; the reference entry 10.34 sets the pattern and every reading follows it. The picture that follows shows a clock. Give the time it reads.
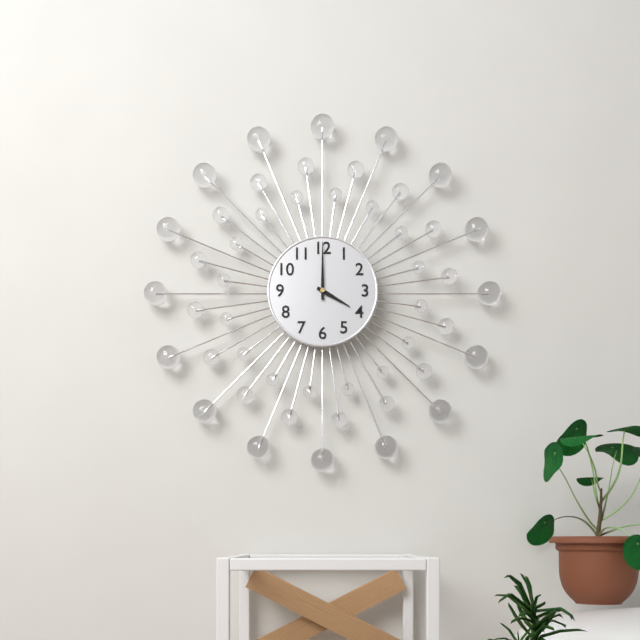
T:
4.00
